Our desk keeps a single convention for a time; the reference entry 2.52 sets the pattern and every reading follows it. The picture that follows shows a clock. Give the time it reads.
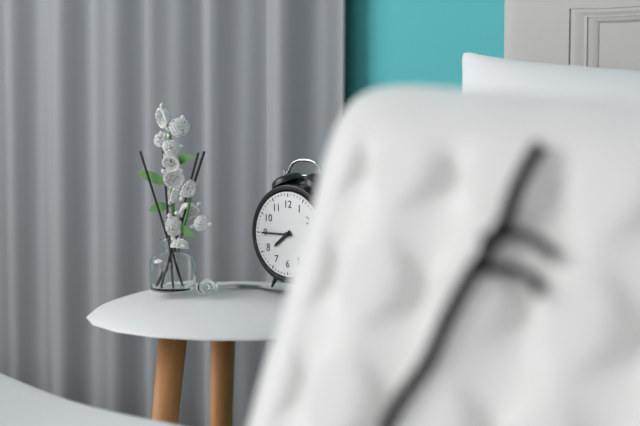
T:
7.45
